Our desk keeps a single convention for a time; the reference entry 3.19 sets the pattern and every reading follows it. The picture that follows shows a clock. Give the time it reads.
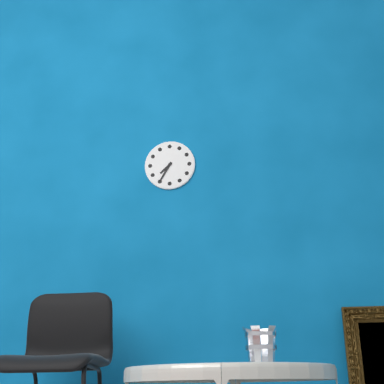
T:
7.35
